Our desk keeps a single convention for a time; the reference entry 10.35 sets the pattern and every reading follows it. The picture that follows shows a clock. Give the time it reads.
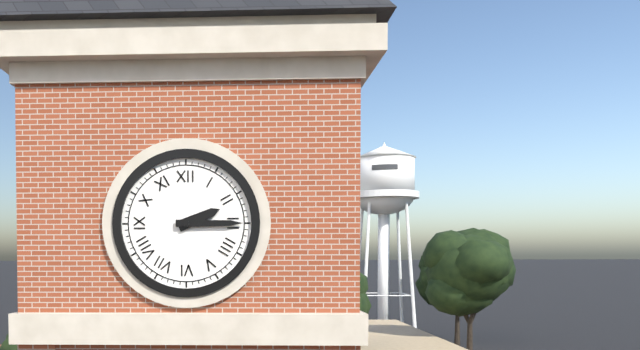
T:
2.15
